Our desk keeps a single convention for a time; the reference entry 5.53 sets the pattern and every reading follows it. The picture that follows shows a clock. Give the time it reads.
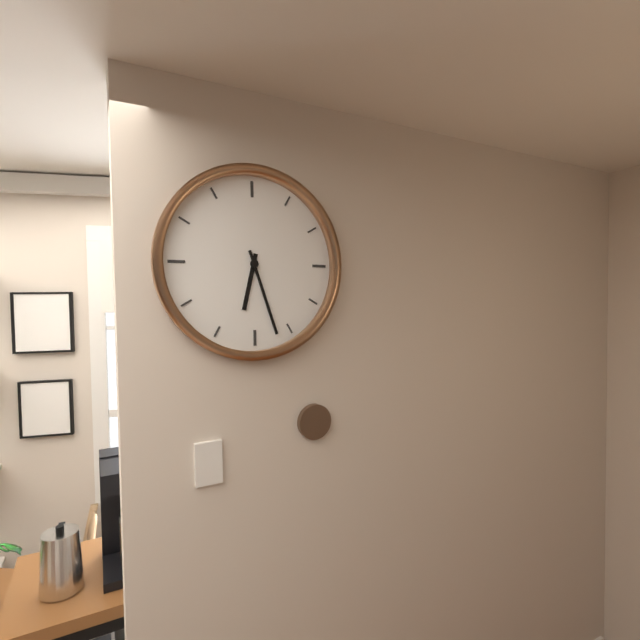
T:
6.27
